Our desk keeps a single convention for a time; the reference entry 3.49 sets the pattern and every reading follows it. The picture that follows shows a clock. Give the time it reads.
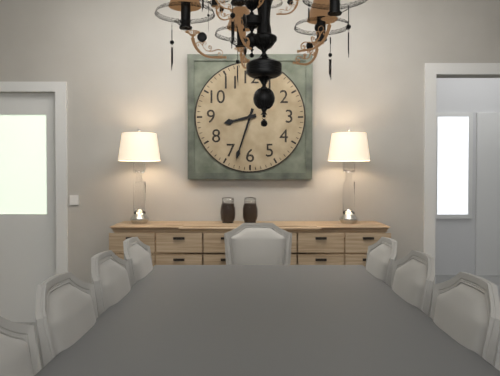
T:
8.33
